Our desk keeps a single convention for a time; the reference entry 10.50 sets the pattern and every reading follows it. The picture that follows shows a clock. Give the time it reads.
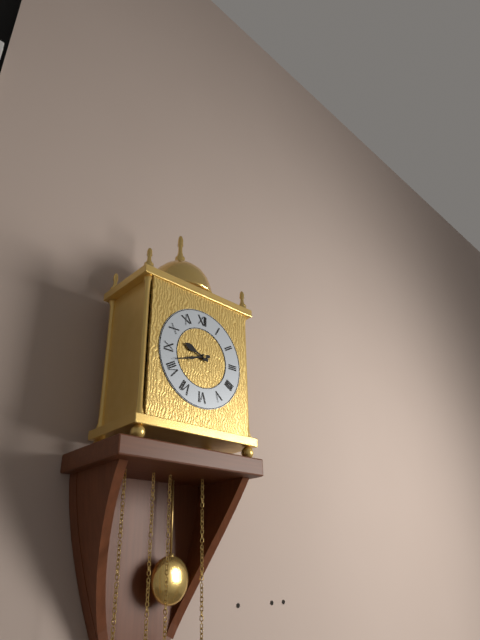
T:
9.42
